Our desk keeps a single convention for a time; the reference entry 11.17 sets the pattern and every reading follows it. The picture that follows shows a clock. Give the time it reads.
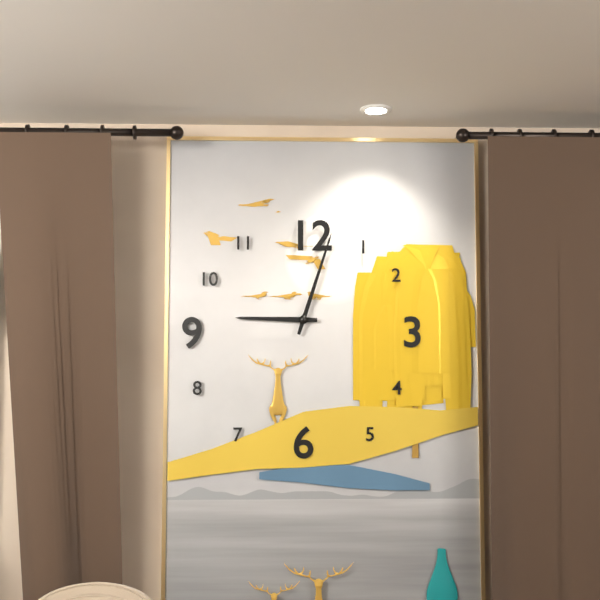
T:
9.03
